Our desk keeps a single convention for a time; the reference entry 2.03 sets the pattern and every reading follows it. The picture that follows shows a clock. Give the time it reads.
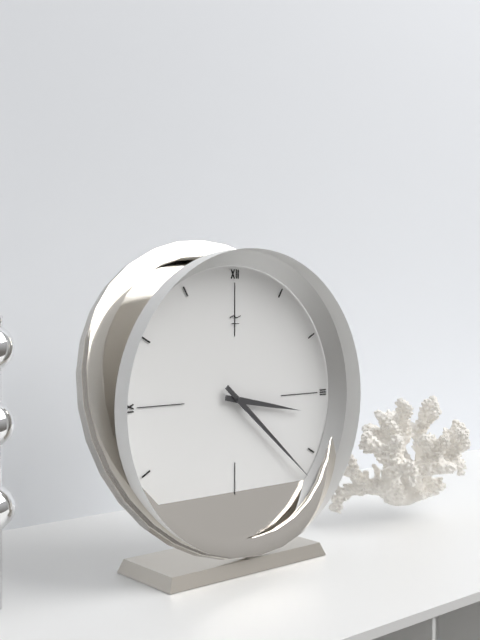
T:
3.22
